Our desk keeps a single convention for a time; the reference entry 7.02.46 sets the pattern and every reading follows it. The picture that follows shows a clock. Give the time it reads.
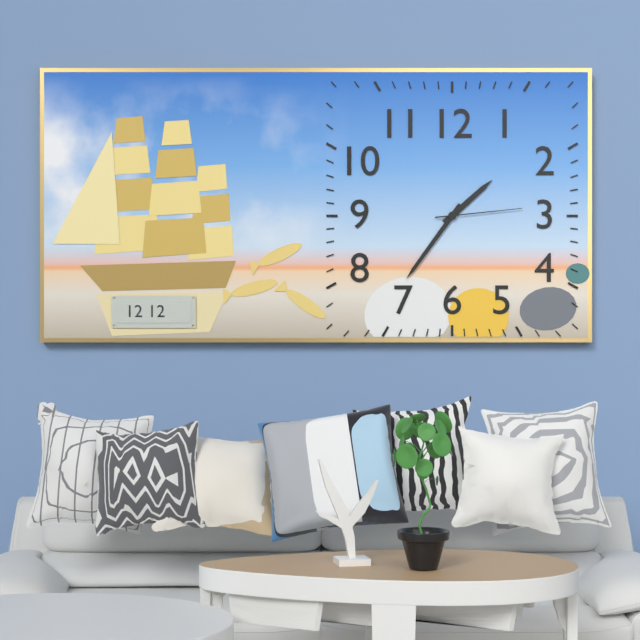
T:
1.36.14
